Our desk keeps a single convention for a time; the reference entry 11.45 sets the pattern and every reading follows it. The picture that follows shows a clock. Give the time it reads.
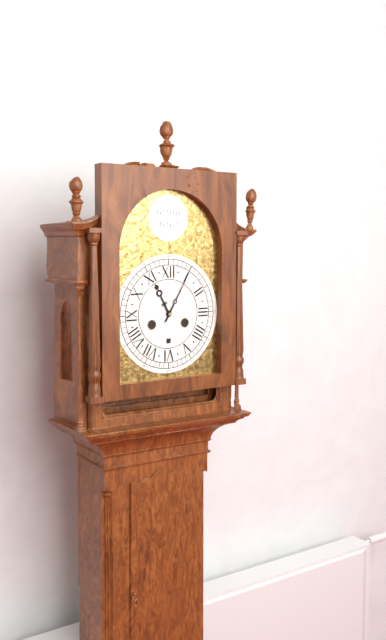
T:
11.05
